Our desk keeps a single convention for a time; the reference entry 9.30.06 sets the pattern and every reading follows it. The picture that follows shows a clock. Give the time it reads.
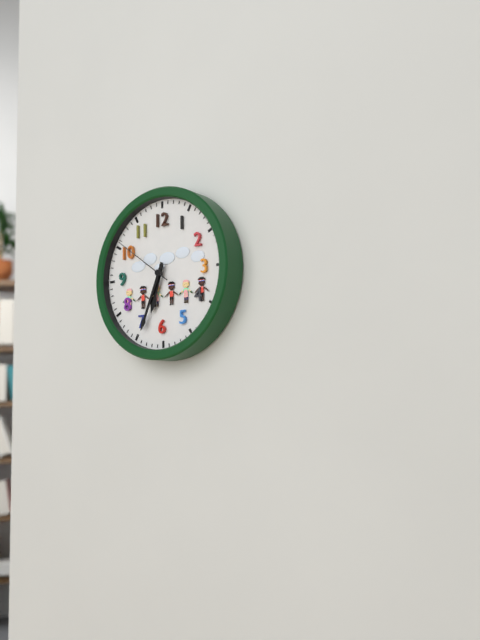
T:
6.34.51
